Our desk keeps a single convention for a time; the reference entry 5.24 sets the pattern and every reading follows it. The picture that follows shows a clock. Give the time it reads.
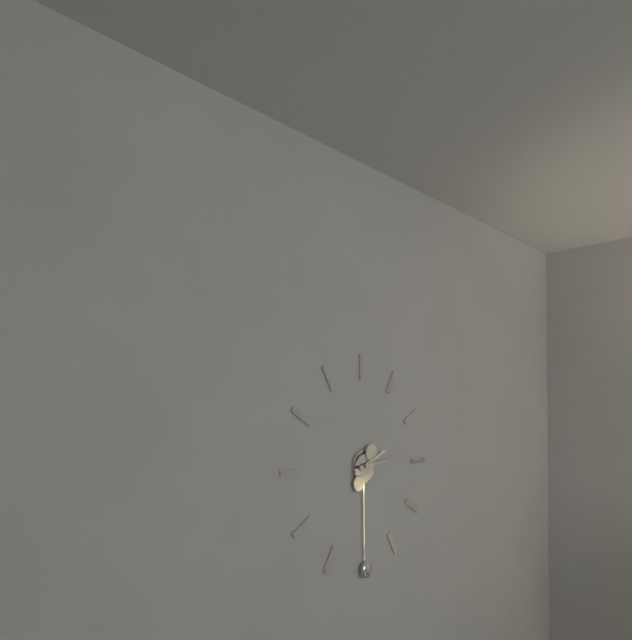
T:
2.14
